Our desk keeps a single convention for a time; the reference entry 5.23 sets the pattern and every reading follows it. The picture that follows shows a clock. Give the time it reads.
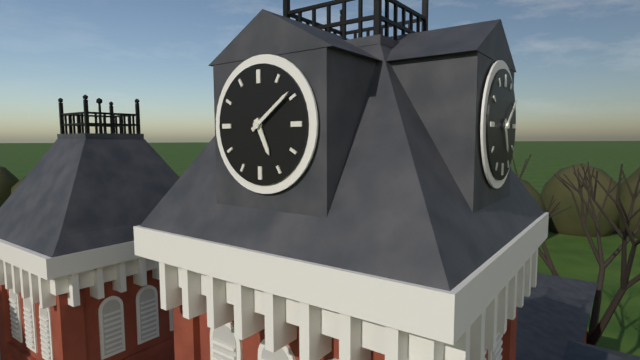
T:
5.09
